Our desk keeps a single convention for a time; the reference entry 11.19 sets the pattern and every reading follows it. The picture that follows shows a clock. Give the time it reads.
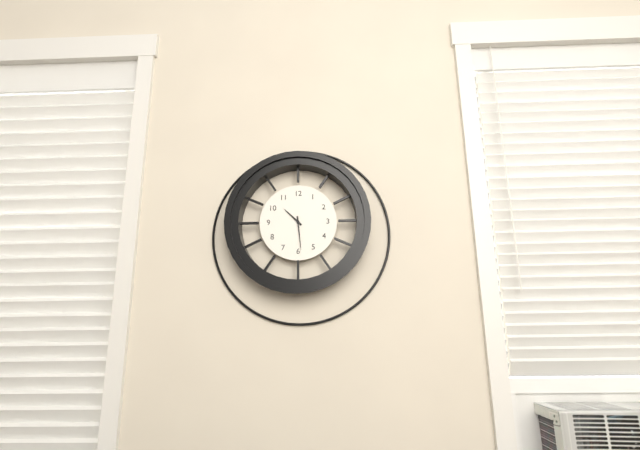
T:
10.29
